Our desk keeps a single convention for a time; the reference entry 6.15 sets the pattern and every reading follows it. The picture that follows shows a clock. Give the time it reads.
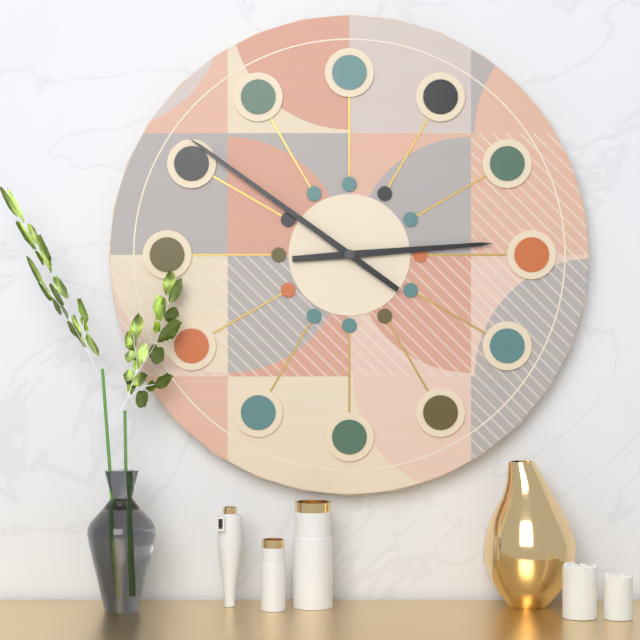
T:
2.51
